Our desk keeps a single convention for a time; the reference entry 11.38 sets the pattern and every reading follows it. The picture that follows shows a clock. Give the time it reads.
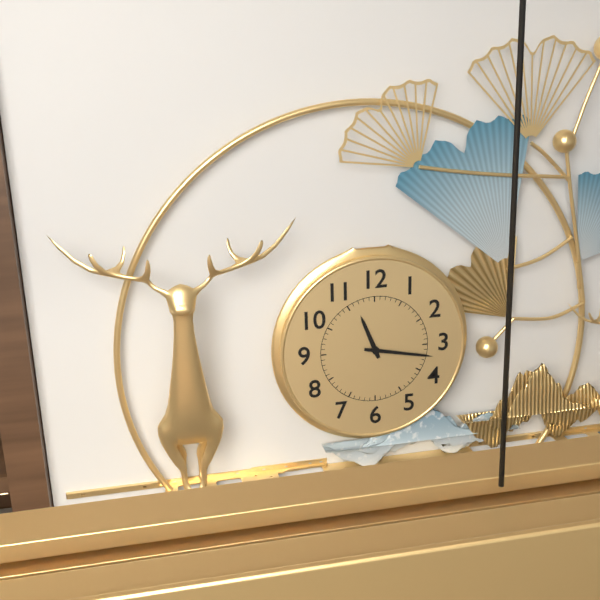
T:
11.17
